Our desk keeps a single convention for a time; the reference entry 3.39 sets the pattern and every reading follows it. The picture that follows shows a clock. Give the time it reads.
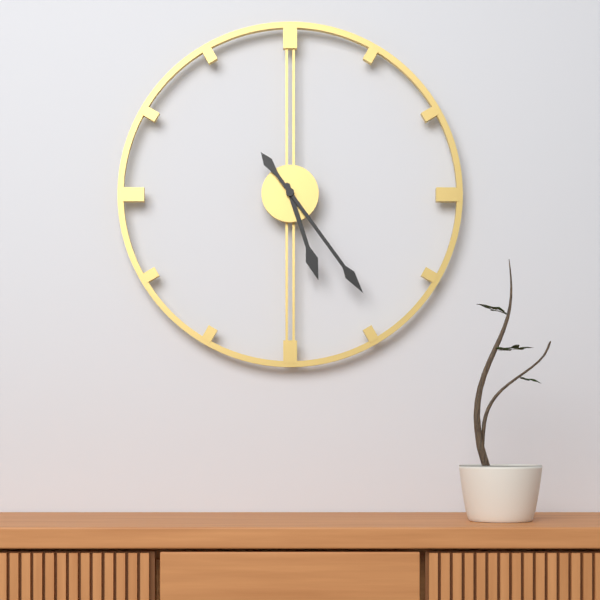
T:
5.24
